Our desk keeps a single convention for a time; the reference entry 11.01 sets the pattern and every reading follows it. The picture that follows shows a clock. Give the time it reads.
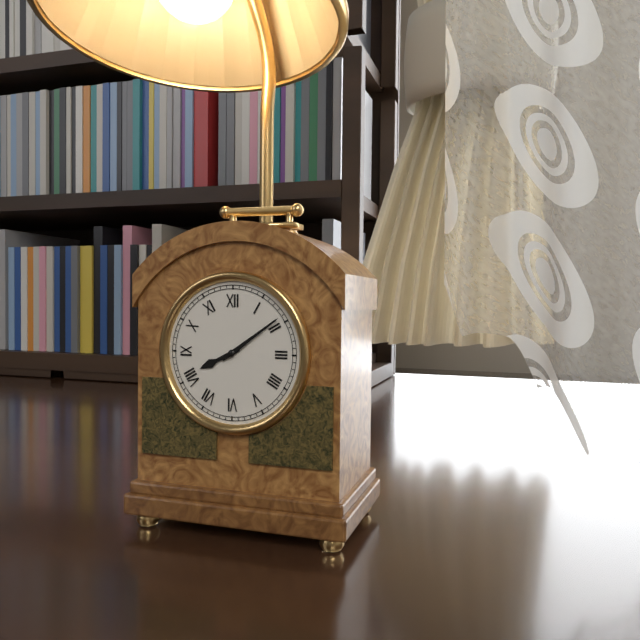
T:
8.09
